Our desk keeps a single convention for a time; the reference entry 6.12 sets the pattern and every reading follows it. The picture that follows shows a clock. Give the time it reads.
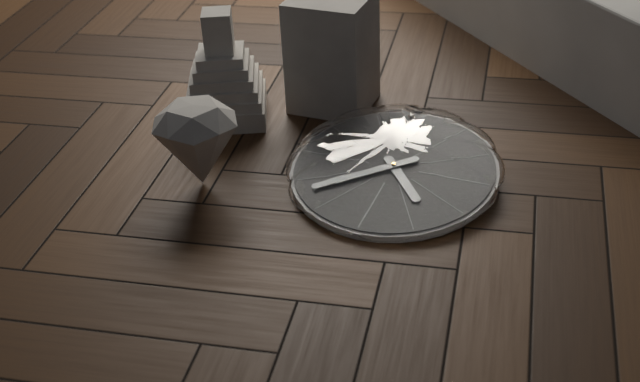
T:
4.38
